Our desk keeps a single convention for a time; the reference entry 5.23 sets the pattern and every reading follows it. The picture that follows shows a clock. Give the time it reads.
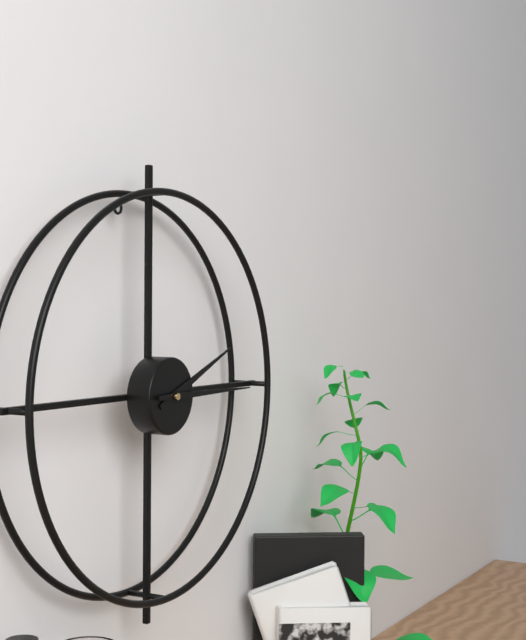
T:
2.15
